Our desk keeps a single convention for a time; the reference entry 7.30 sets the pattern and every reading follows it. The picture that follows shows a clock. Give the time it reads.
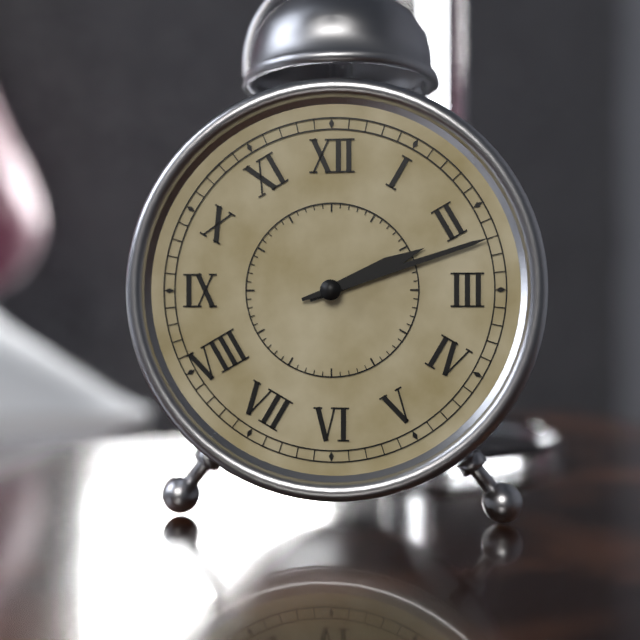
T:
2.12
